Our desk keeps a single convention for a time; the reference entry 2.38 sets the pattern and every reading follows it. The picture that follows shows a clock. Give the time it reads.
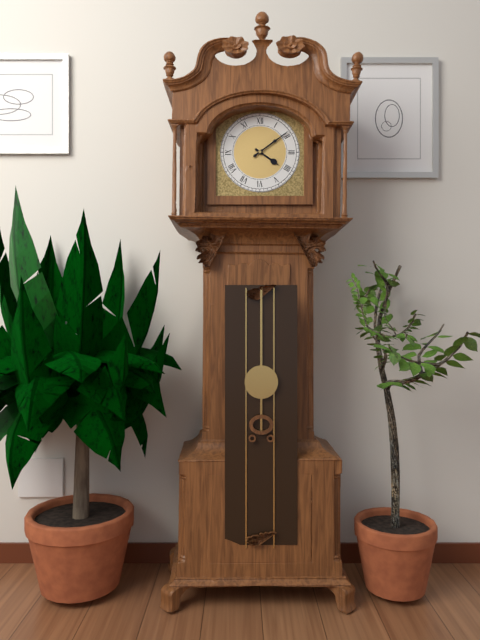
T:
4.09
